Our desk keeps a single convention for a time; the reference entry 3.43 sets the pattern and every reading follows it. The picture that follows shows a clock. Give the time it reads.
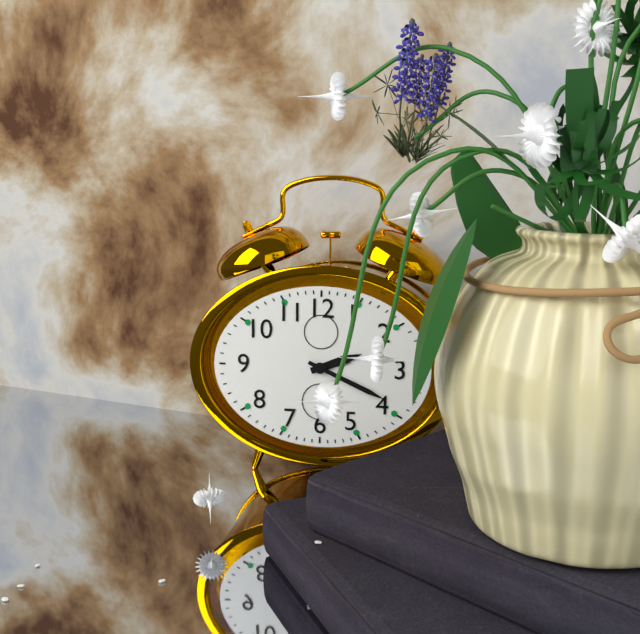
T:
2.19
